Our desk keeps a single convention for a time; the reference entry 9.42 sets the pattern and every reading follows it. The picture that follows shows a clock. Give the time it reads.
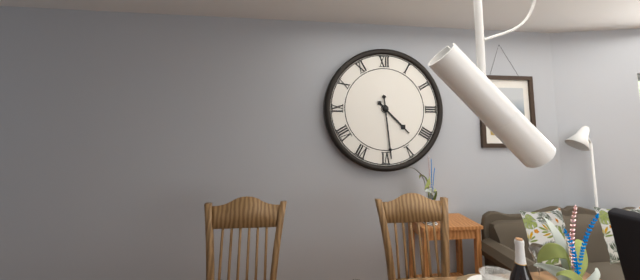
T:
4.29
